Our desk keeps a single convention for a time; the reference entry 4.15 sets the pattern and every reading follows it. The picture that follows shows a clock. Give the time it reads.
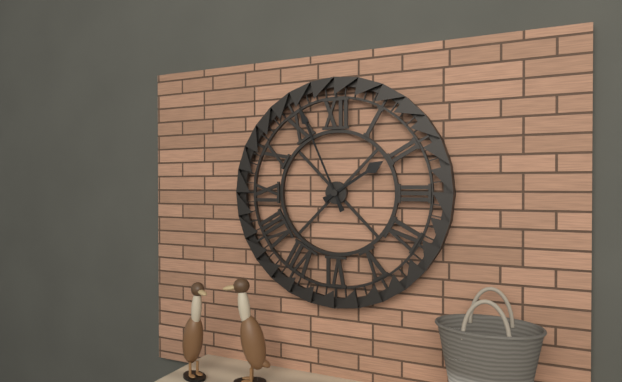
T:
1.56
